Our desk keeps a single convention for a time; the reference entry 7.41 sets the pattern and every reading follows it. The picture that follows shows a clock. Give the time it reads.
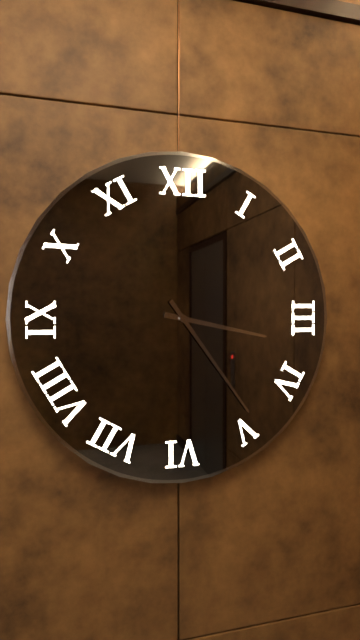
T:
3.24
